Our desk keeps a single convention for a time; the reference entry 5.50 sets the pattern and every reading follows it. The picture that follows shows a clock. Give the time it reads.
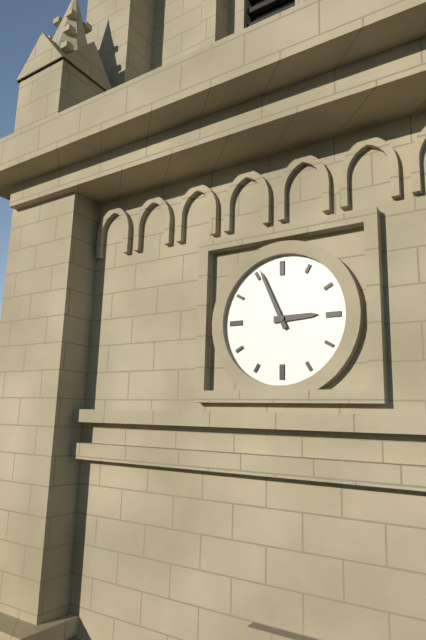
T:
2.56
